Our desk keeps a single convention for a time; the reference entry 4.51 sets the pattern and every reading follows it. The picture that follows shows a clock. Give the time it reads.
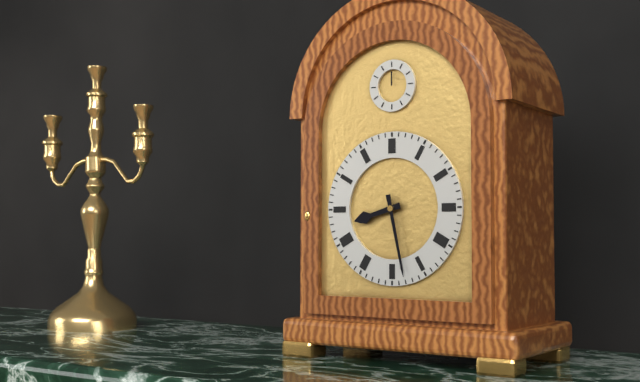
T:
8.28
